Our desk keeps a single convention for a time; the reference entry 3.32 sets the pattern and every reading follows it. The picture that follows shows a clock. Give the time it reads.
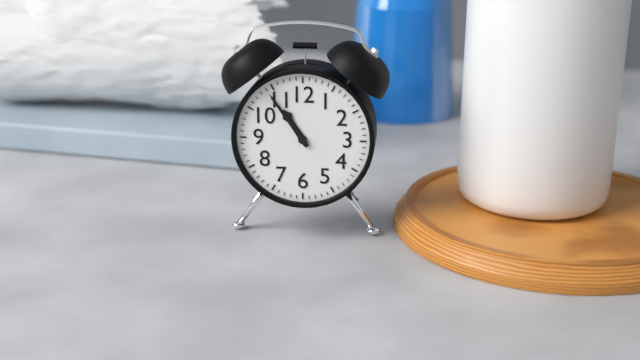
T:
10.54
